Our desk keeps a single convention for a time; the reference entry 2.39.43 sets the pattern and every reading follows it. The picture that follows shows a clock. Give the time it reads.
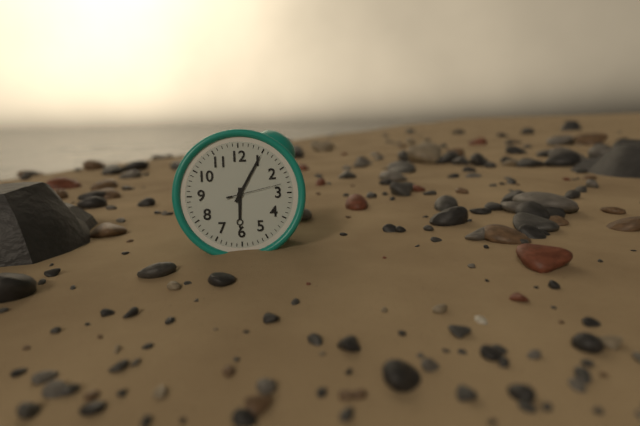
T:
6.05.13
